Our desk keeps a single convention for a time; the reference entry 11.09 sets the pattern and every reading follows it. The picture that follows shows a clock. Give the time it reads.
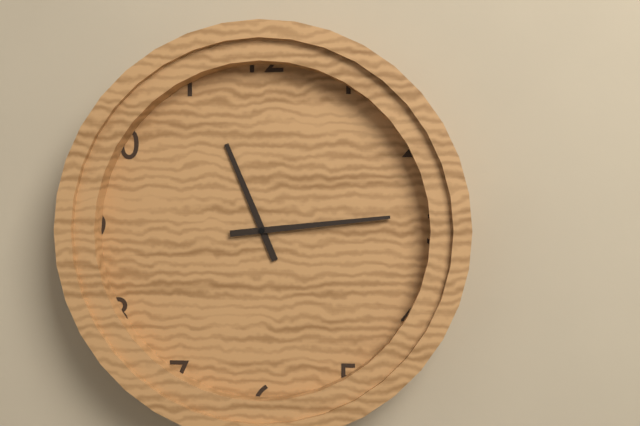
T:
11.14
